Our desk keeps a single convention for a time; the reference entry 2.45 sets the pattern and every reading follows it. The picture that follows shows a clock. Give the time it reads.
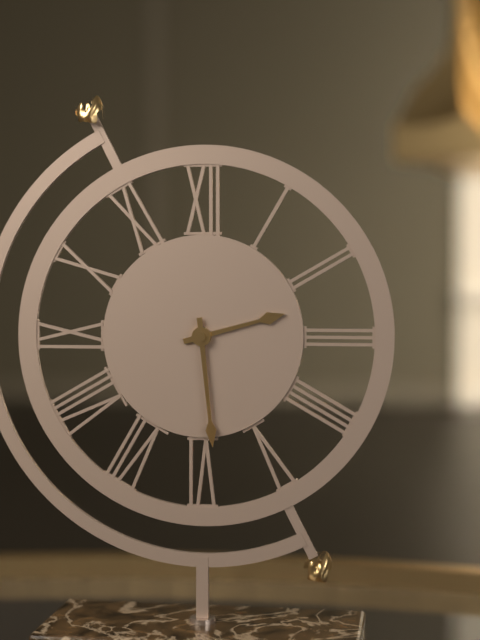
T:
2.29
